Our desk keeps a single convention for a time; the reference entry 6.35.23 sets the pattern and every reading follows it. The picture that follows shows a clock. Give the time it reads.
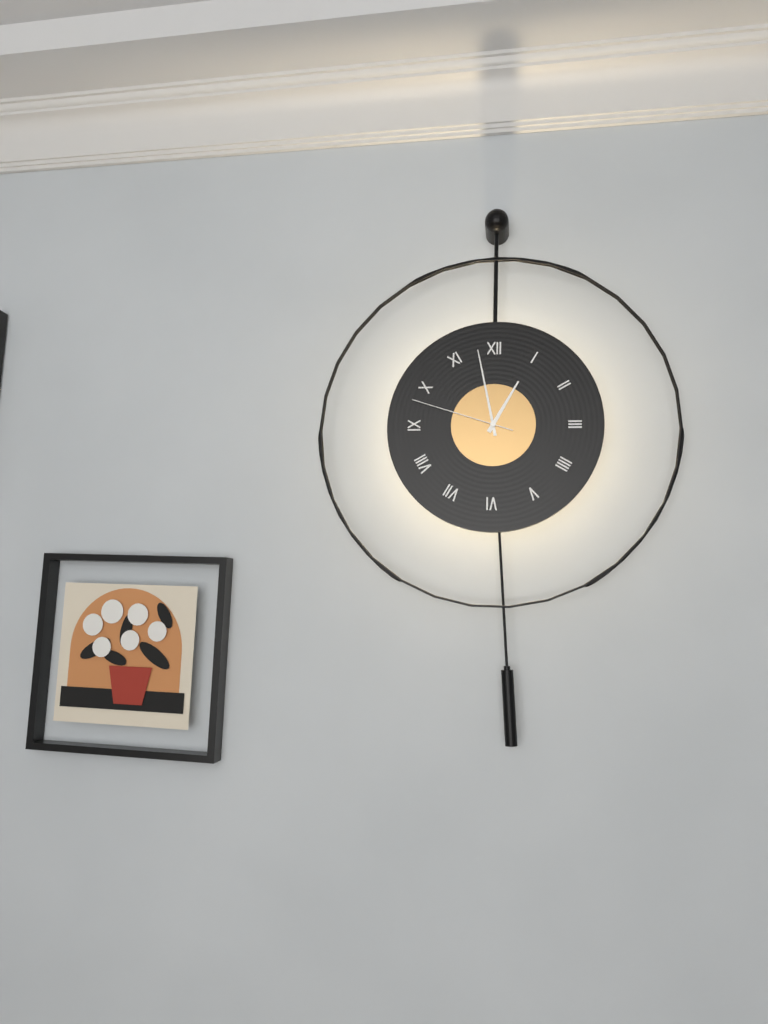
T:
12.58.48
